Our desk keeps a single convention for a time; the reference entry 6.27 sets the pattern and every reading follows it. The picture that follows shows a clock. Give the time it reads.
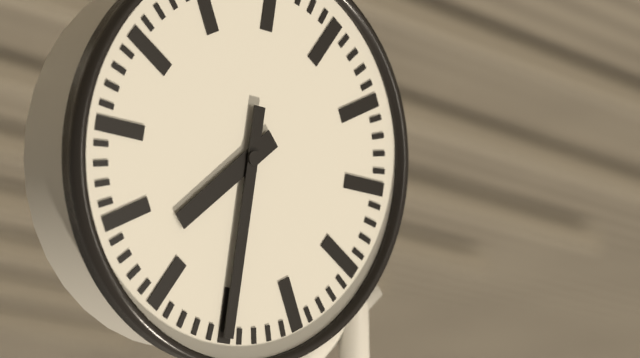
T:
7.30
